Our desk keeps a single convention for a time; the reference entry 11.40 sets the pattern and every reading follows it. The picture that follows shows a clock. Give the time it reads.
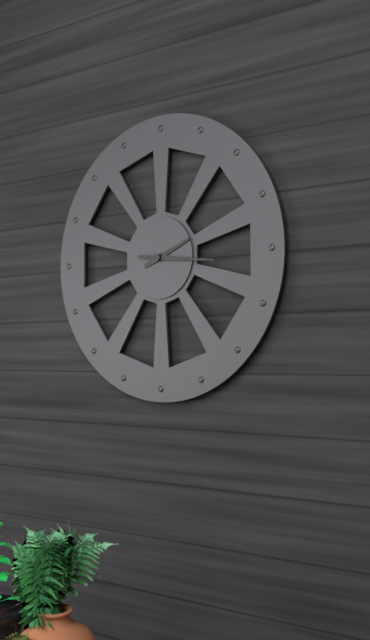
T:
2.16
